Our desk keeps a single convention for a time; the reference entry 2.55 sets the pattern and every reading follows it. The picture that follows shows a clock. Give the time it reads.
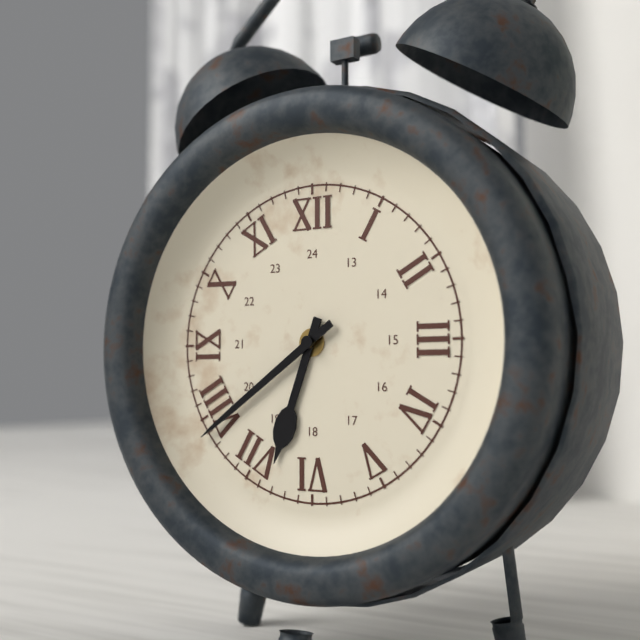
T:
6.39
